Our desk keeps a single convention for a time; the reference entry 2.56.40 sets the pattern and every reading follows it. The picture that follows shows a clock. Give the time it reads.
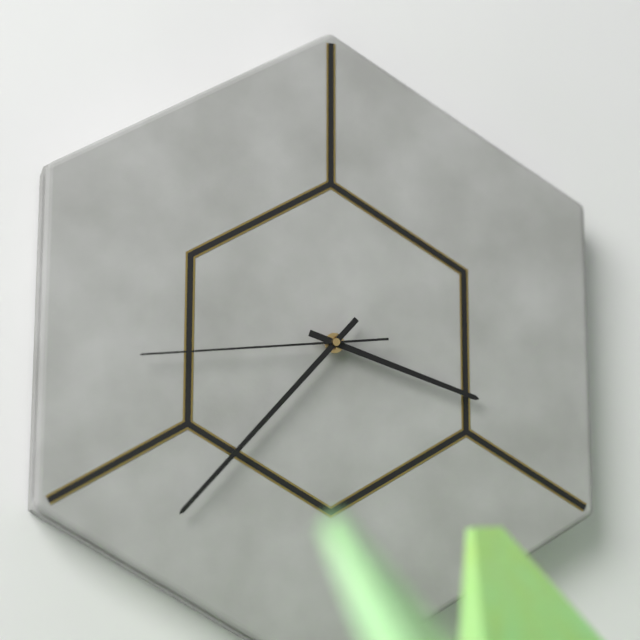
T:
3.37.44
